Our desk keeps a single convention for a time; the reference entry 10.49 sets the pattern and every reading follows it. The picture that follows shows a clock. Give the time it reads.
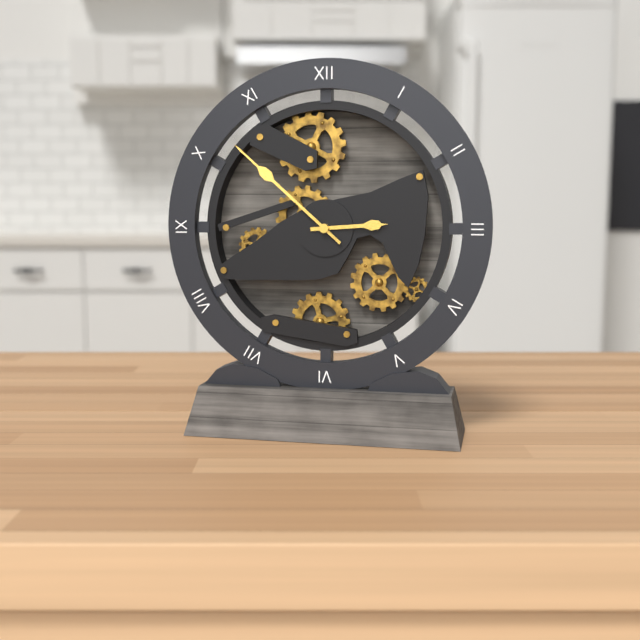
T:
2.52
